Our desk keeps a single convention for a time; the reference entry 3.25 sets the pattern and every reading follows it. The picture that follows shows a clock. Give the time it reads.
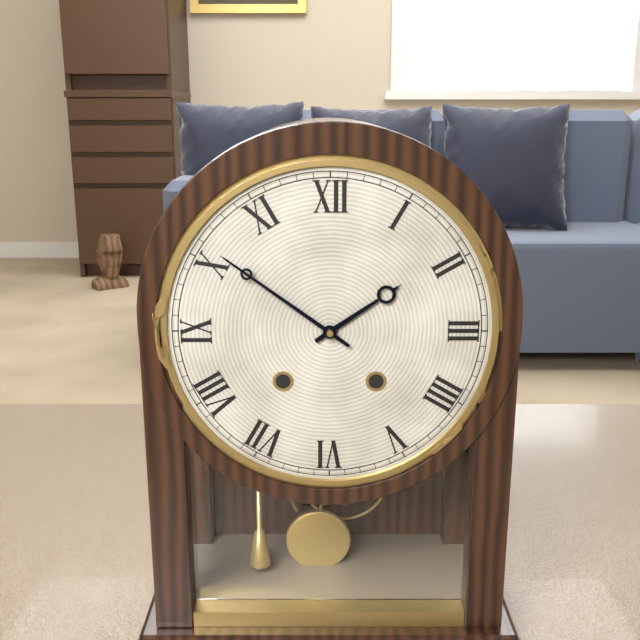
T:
1.51
